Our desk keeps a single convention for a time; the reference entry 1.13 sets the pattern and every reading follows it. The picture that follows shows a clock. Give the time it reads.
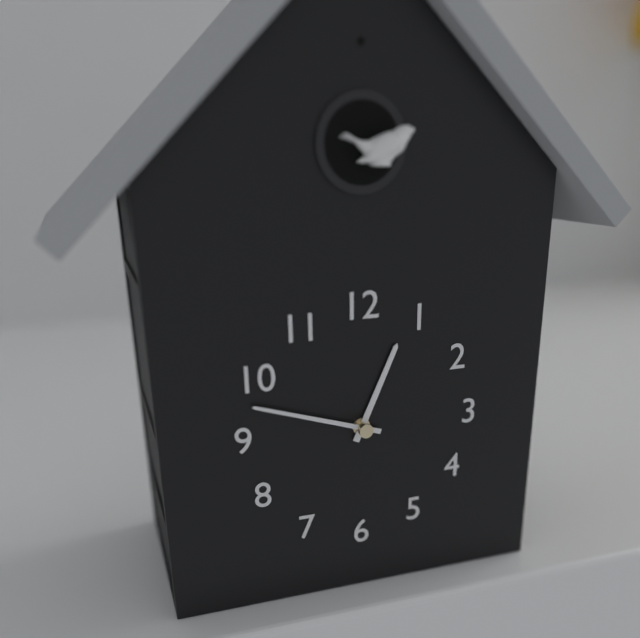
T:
12.48
